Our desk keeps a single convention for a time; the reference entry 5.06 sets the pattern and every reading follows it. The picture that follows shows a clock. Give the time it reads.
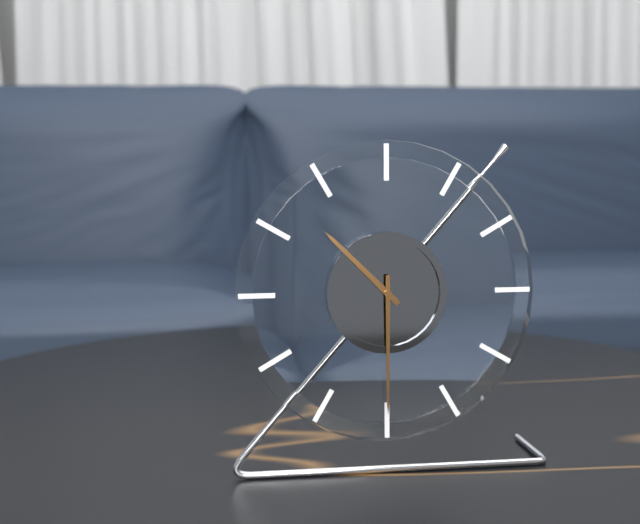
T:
10.30
